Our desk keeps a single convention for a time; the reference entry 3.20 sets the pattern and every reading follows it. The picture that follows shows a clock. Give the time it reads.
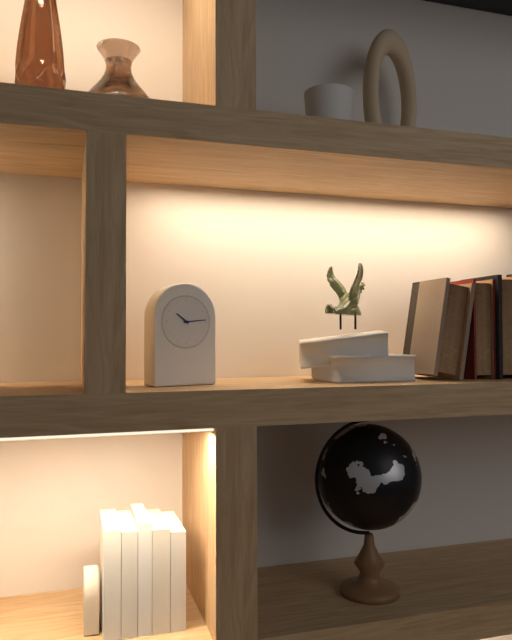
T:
10.14
